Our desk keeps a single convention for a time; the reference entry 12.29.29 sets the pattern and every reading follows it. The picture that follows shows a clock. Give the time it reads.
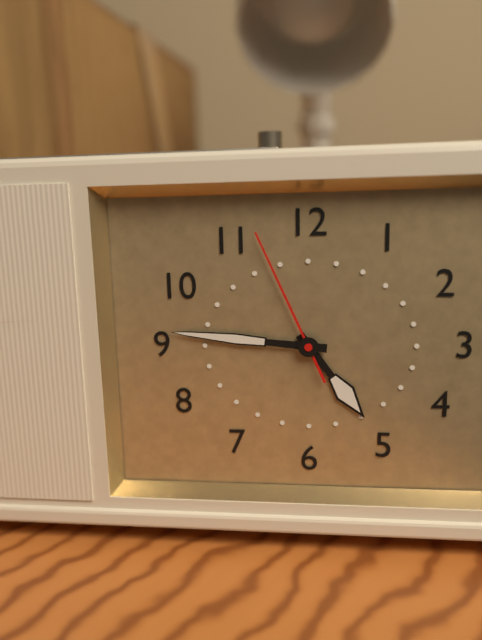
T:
4.46.56
